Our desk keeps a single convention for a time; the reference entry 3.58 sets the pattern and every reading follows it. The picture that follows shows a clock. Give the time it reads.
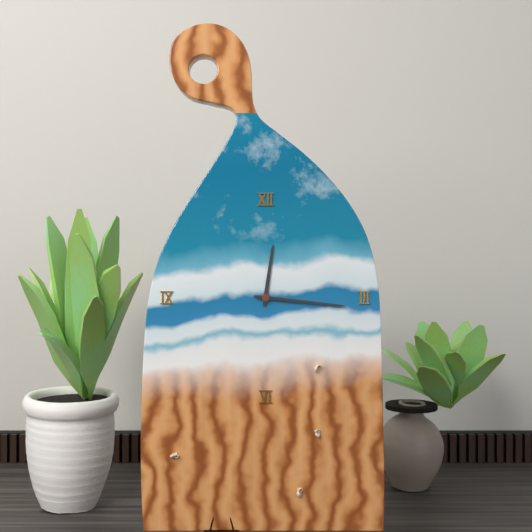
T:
12.16
